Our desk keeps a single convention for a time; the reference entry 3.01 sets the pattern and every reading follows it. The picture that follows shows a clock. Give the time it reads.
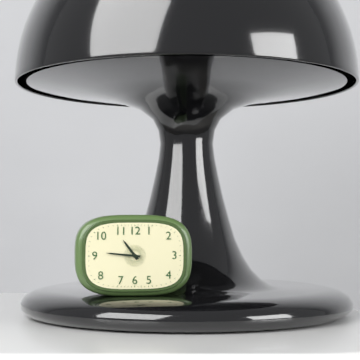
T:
10.46
